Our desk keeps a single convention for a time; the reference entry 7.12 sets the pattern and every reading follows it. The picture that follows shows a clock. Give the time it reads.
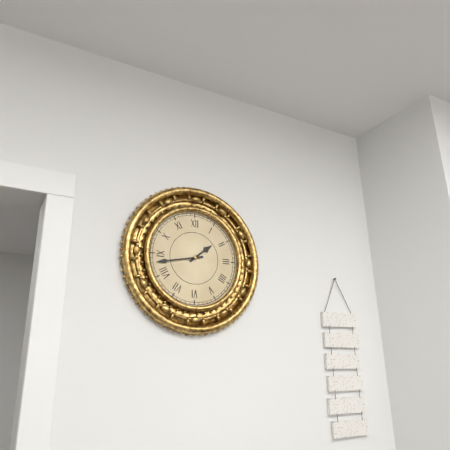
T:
1.43
